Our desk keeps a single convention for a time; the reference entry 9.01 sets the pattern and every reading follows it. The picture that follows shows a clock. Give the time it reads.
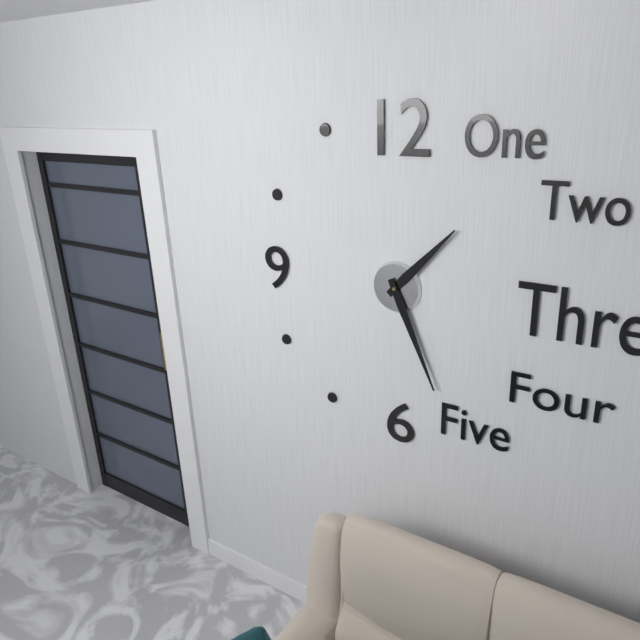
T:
1.26
